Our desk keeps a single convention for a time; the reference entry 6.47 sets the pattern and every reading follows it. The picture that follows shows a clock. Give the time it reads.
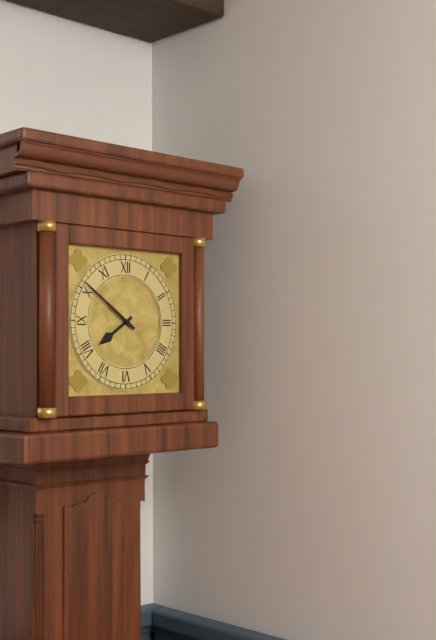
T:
7.51
